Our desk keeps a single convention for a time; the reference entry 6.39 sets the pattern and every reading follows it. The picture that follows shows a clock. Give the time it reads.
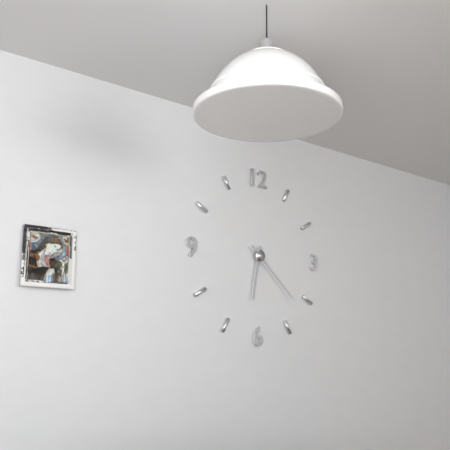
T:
6.22
